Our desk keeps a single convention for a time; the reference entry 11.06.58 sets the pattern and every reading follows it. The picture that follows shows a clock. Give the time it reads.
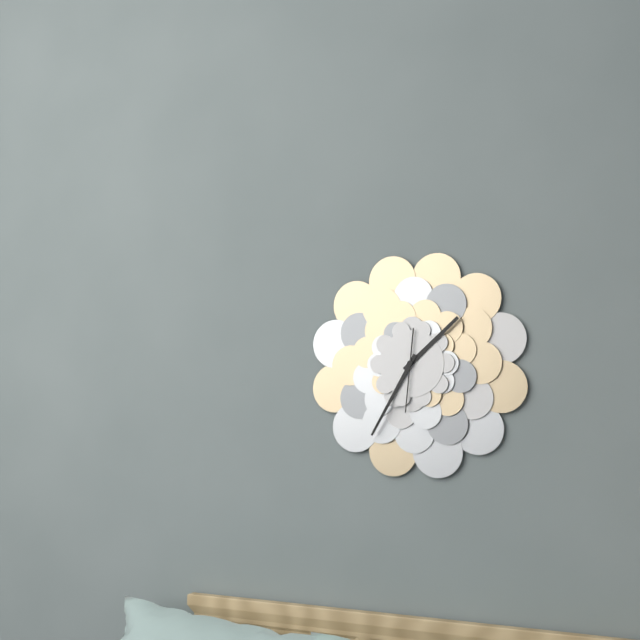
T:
1.35.31
